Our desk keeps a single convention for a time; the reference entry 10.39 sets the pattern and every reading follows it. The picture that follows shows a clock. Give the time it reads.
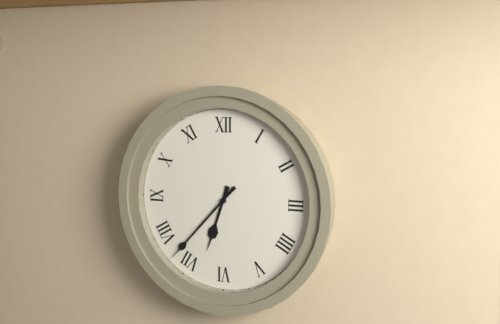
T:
6.37
